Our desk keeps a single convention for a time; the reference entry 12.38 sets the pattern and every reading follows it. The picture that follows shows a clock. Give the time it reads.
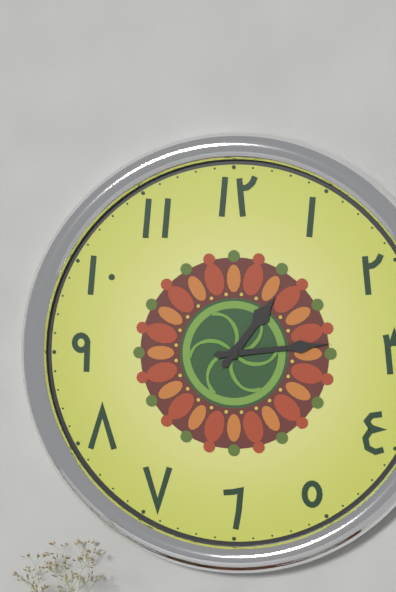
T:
1.14
